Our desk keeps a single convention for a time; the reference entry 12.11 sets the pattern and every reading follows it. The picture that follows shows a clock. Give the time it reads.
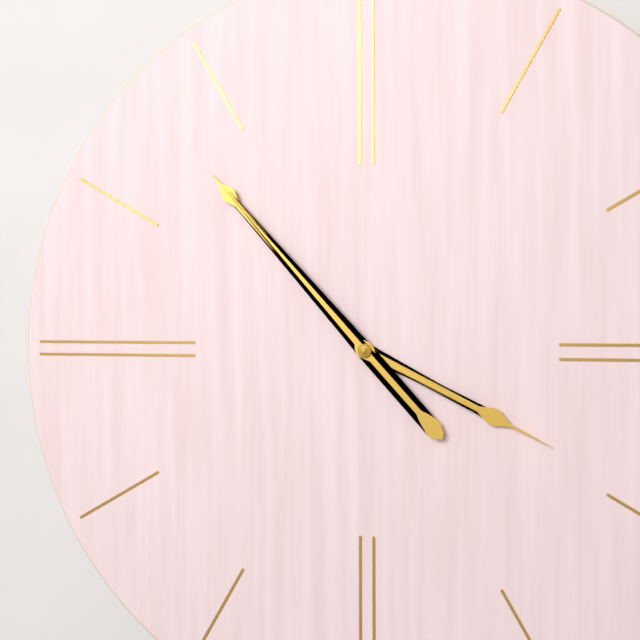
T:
3.53
